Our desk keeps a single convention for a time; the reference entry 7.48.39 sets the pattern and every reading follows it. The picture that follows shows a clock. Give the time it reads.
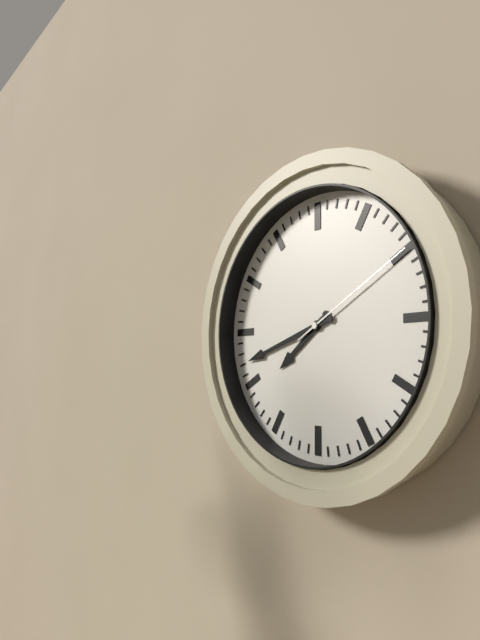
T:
7.42.10
